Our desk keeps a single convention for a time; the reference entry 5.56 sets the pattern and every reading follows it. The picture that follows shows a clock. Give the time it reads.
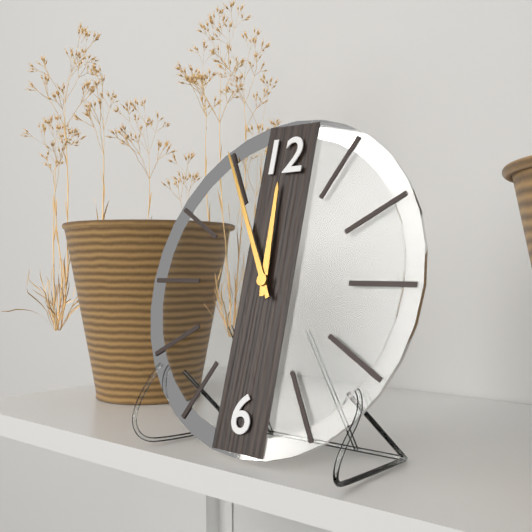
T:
11.55
